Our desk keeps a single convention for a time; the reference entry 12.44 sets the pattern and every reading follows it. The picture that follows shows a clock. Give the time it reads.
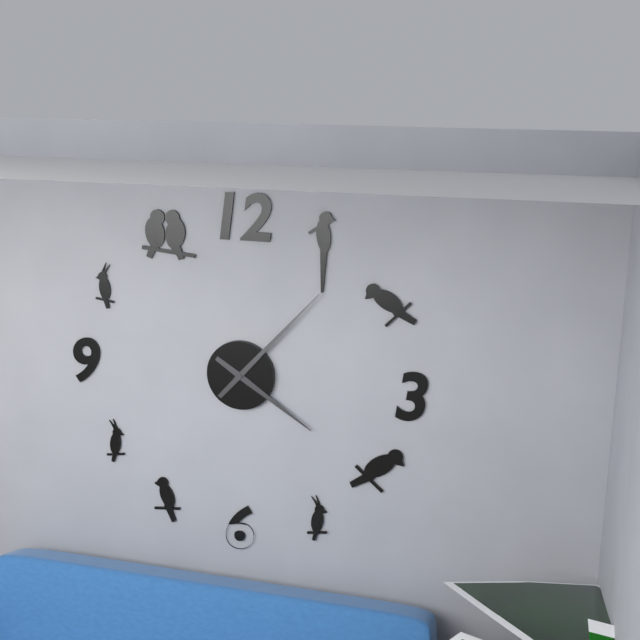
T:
4.07
